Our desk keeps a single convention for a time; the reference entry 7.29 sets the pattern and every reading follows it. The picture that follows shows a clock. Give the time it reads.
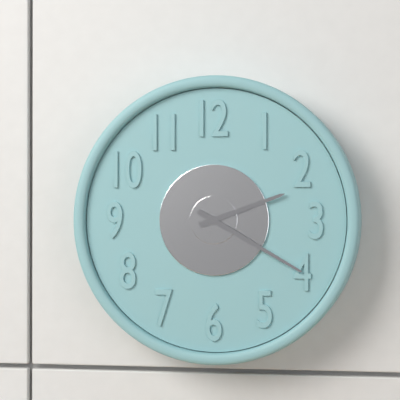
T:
2.20
